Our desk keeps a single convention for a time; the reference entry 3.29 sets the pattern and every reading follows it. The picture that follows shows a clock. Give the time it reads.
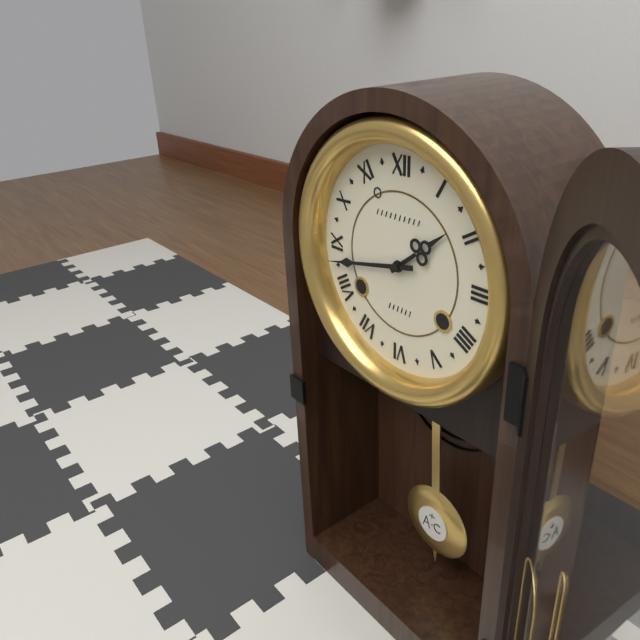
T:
1.43
